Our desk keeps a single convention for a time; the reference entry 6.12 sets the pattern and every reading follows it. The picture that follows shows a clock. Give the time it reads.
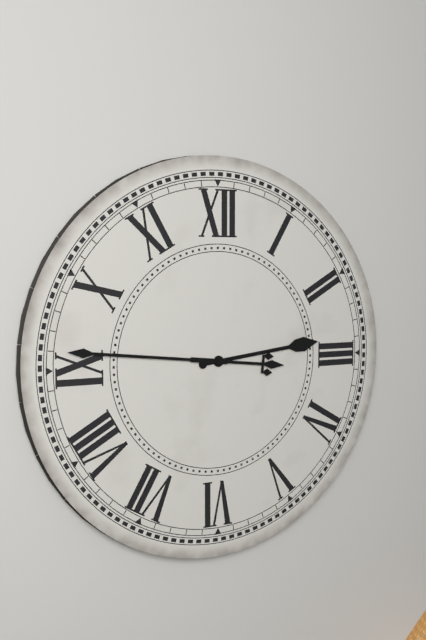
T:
2.46
